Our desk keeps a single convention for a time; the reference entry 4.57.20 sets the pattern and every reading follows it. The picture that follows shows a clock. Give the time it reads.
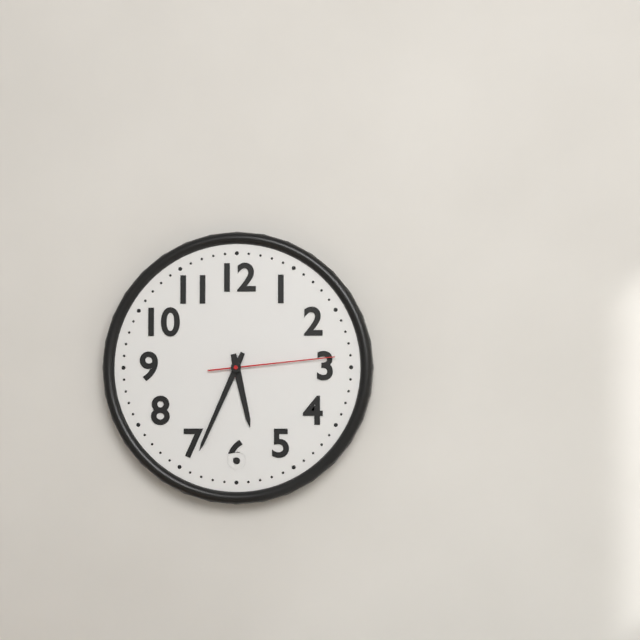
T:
5.34.14
